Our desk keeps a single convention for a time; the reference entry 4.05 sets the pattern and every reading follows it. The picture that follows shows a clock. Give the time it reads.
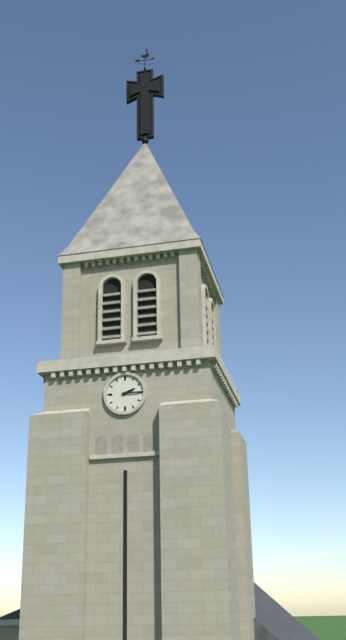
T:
2.15
